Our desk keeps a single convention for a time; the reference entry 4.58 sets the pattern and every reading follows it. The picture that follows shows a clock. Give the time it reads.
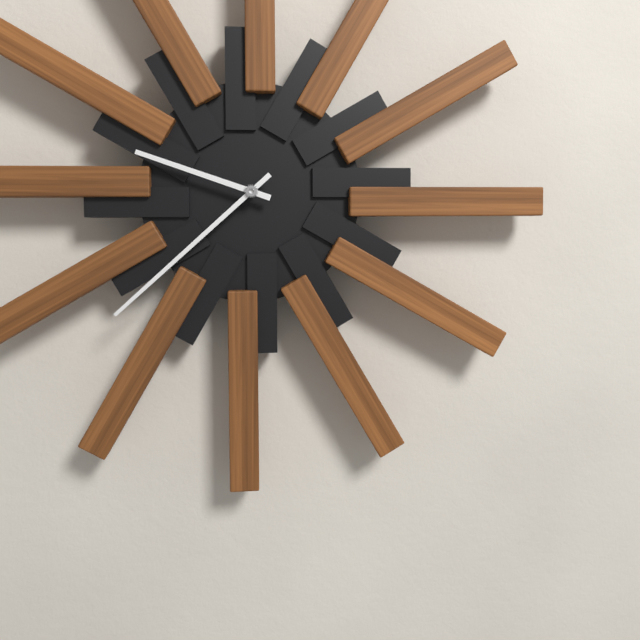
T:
9.38
